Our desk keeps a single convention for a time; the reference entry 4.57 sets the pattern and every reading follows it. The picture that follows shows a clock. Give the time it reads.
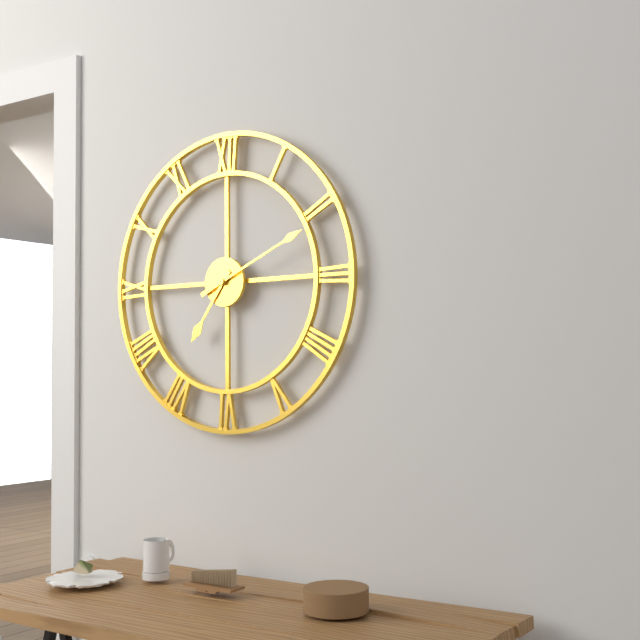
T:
7.11
